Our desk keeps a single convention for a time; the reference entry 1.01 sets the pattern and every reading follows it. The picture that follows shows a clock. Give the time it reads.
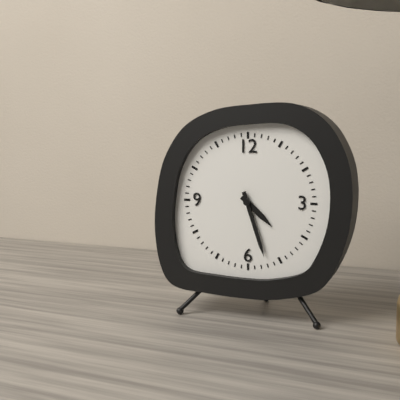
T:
4.27
